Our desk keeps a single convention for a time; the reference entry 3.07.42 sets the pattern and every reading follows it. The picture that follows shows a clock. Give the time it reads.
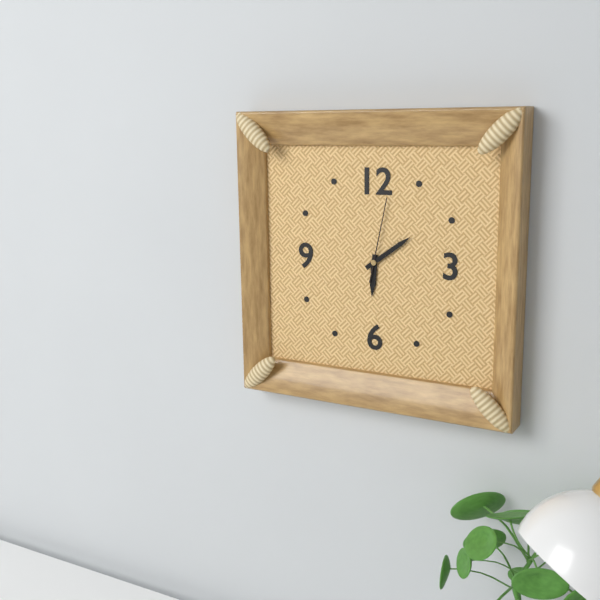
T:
6.09.02
